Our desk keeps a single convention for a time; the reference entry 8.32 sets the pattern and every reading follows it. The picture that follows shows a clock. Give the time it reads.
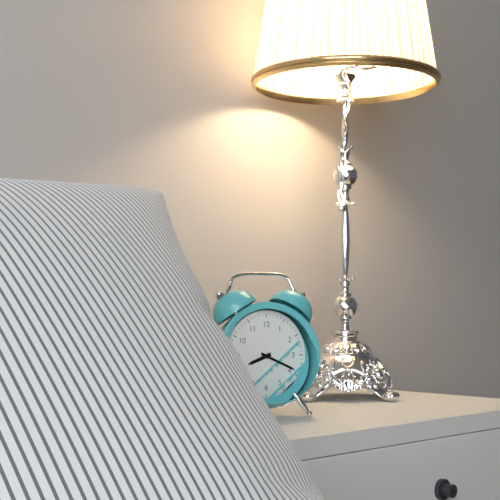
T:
8.19
